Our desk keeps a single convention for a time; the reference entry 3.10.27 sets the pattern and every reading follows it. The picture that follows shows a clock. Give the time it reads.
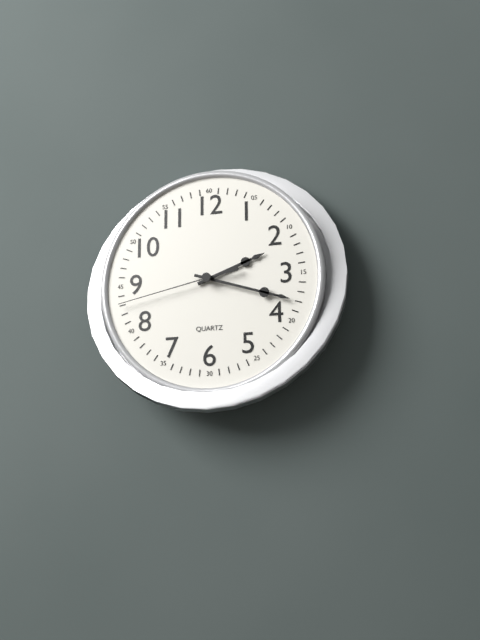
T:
2.18.43
